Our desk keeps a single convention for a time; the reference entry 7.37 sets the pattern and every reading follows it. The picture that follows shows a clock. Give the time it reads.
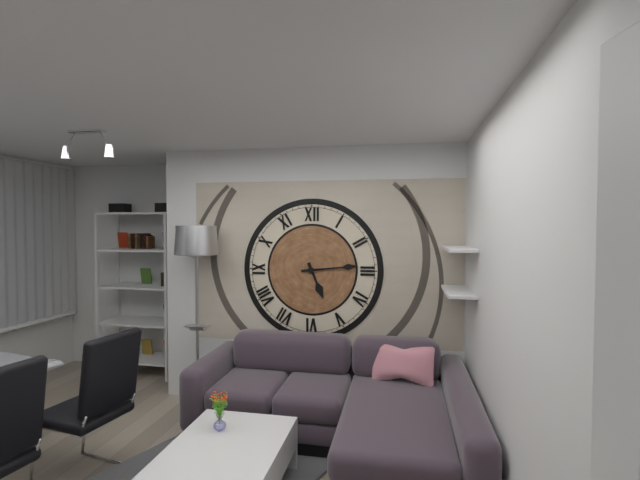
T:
5.14
